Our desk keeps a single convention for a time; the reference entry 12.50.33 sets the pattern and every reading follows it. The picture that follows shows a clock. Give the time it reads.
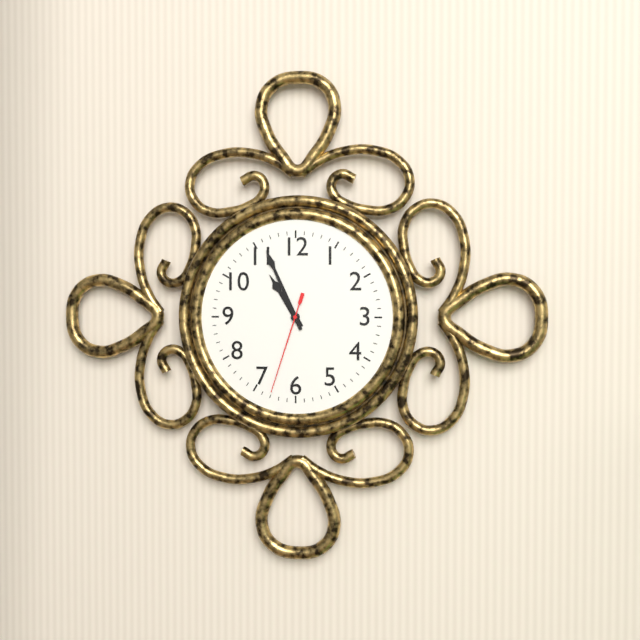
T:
10.56.33
